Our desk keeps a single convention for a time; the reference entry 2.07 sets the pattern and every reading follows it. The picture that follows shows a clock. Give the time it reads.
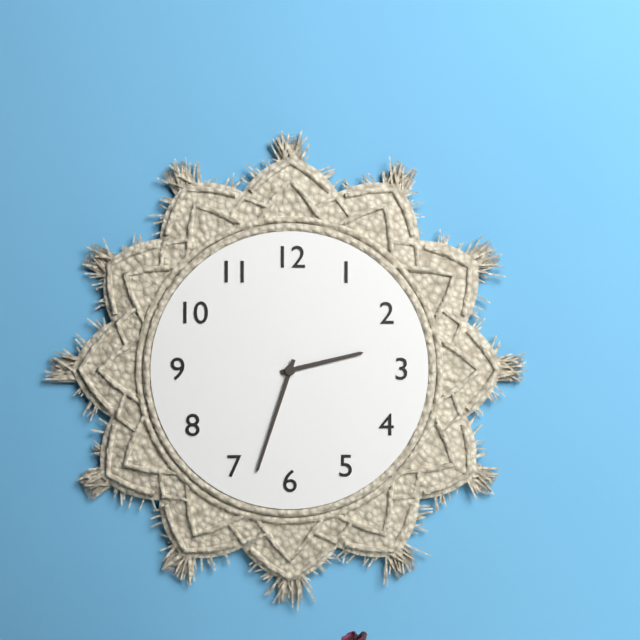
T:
2.33
